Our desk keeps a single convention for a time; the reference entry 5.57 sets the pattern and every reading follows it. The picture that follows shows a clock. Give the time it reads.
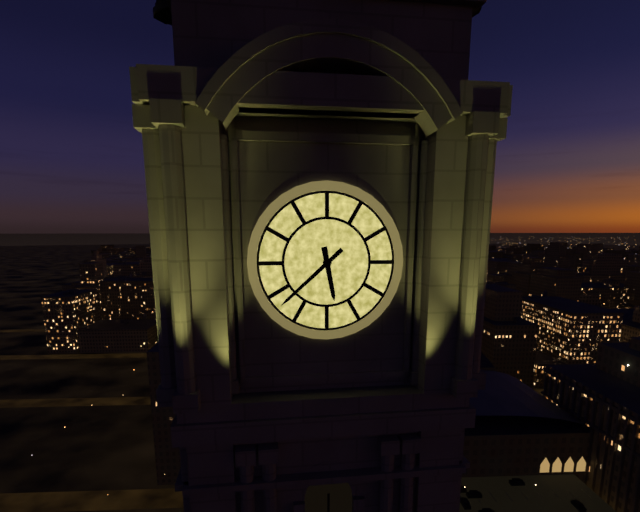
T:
5.38
